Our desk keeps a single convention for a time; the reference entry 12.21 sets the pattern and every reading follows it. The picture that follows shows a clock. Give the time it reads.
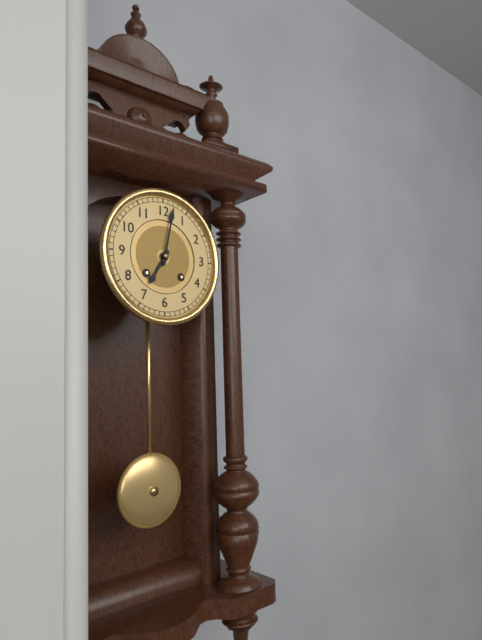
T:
7.02
